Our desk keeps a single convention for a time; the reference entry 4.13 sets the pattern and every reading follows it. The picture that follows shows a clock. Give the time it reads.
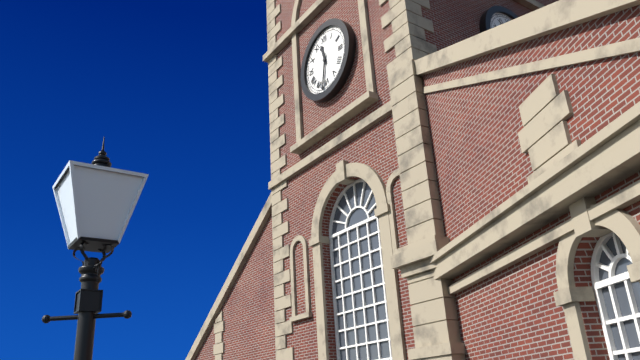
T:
11.32
